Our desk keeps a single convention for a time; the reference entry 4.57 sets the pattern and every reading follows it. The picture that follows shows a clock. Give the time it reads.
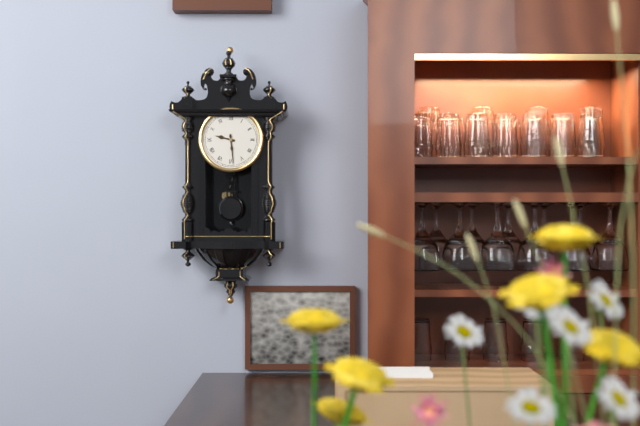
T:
9.29
